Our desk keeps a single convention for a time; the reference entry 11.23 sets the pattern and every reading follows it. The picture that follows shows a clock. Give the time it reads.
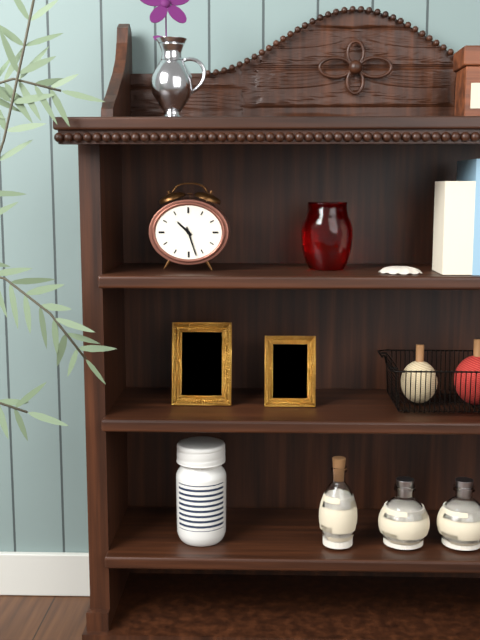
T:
10.27
